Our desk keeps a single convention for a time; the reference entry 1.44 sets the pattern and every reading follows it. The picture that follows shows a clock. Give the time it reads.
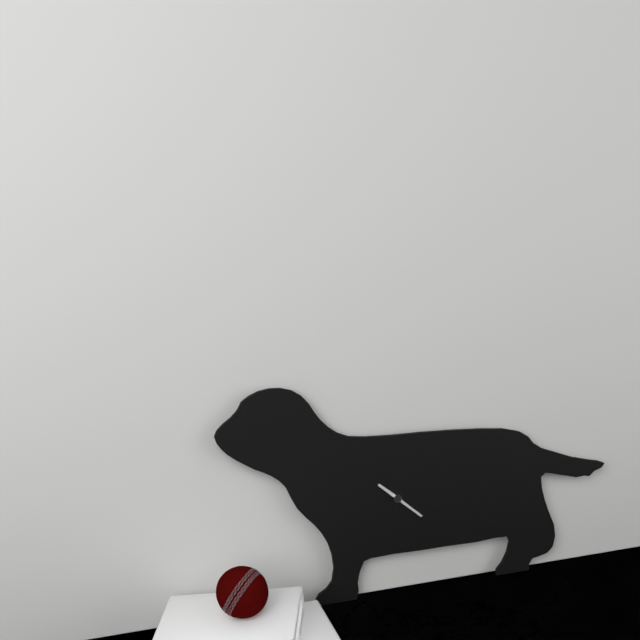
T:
10.22
